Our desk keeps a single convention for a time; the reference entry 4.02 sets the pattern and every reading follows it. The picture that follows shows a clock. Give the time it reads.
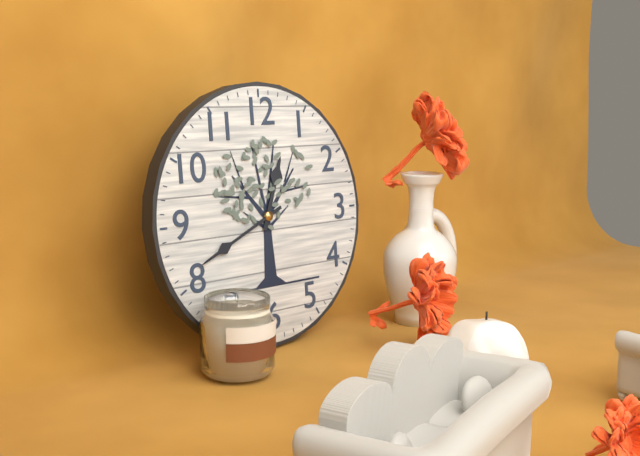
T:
12.41
